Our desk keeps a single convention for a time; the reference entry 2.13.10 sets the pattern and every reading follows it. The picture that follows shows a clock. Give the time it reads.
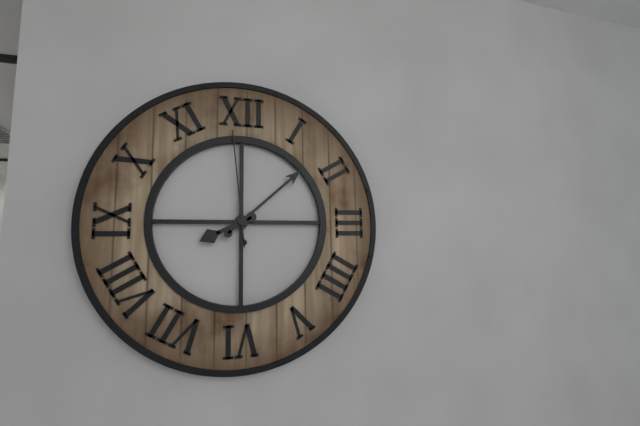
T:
8.08.59
